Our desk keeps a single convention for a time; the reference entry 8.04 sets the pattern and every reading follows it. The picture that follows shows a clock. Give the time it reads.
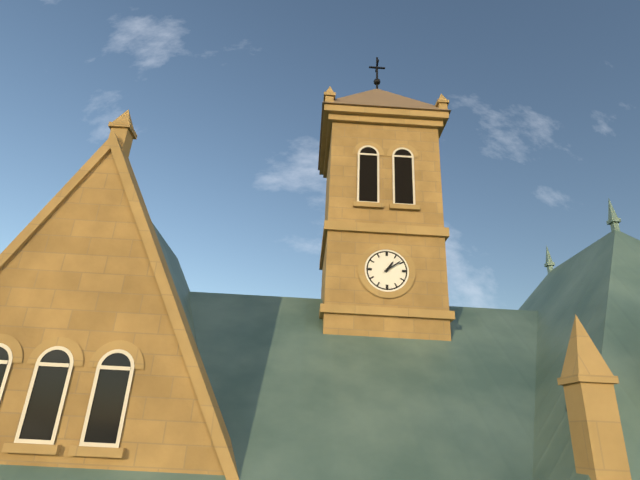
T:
1.09
